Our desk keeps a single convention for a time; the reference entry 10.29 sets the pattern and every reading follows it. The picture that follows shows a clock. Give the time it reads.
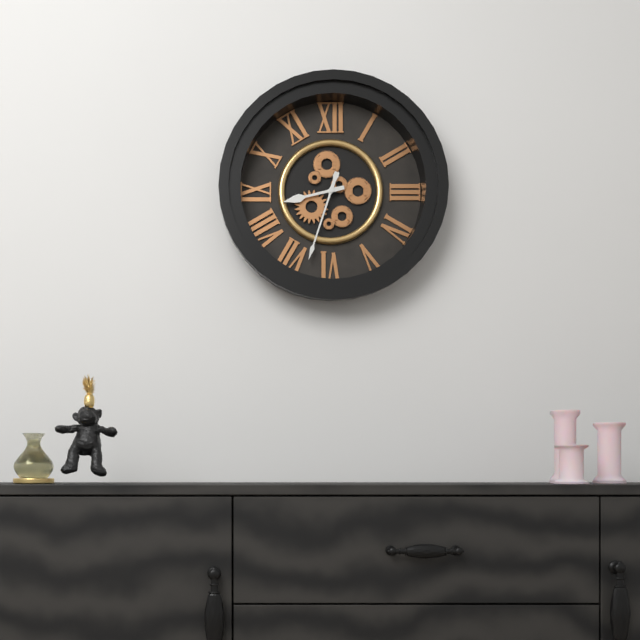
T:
8.33
